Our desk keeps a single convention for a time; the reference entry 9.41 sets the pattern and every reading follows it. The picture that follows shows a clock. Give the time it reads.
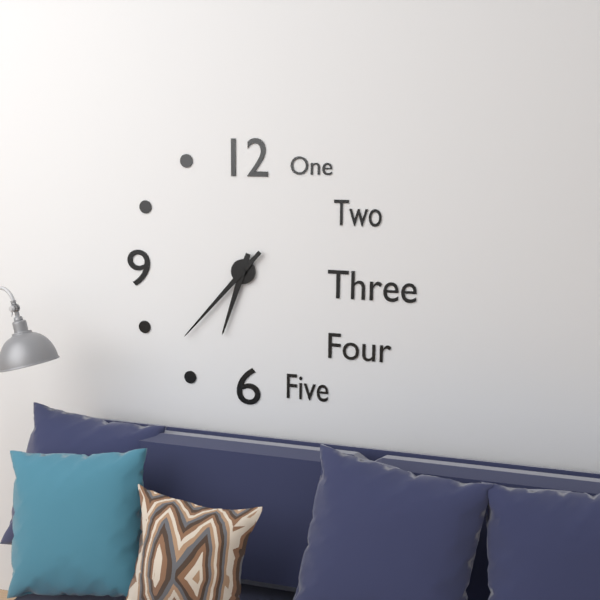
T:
6.37
